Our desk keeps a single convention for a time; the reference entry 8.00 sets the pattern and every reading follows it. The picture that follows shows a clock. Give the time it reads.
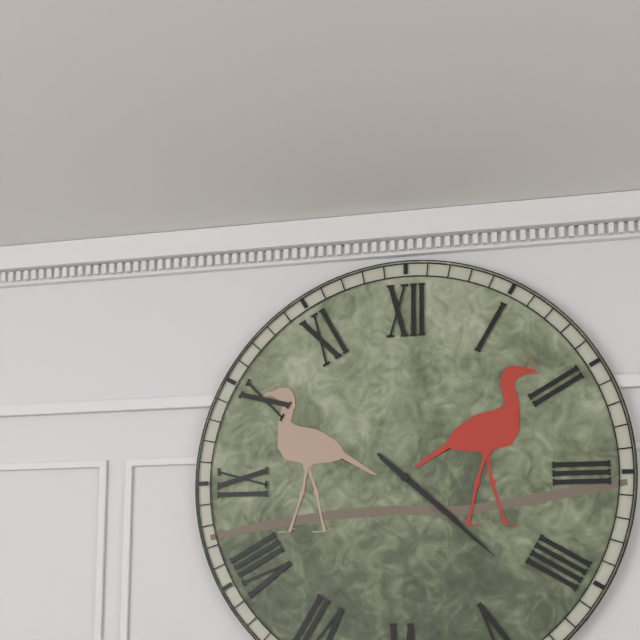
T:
4.22
